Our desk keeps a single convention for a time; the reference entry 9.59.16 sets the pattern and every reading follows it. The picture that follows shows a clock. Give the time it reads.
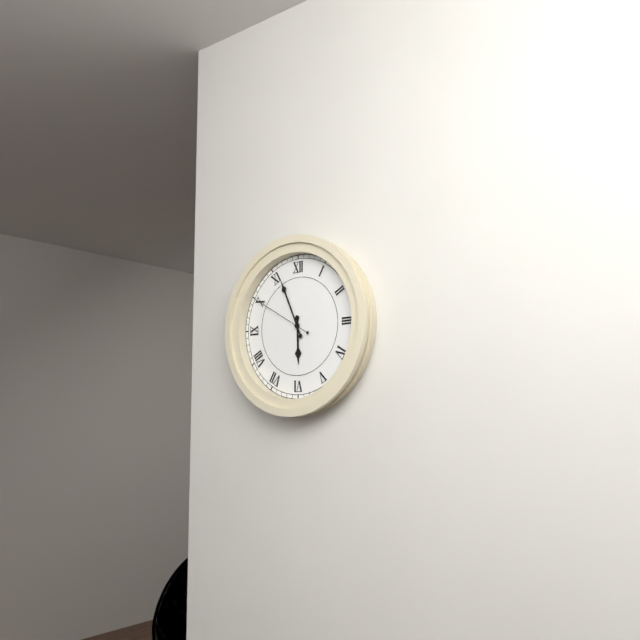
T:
5.56.50
